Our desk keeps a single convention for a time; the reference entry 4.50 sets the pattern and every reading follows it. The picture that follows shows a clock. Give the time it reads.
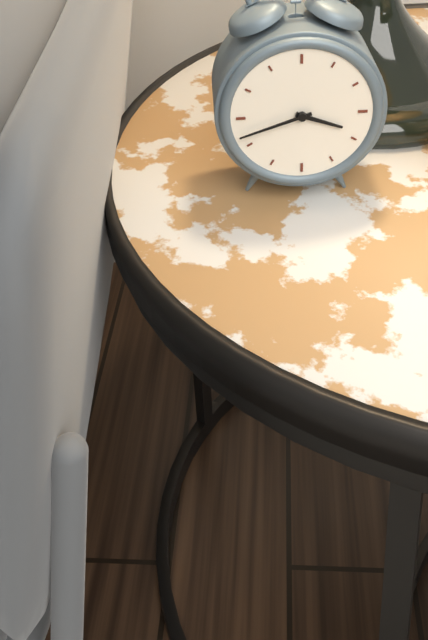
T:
3.42
